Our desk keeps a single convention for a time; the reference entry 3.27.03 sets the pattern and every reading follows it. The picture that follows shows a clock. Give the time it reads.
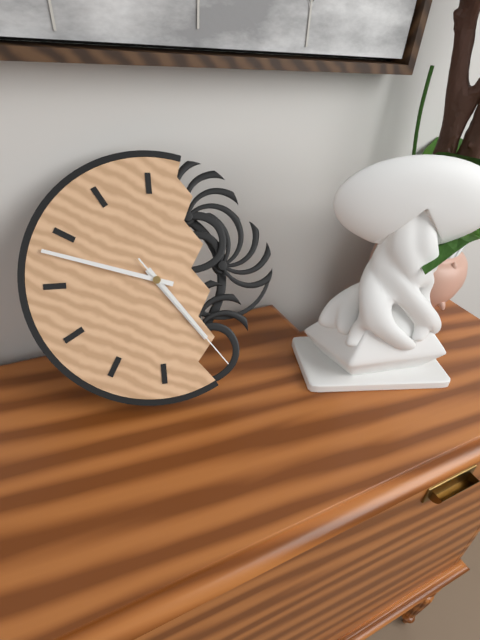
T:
4.48.24
